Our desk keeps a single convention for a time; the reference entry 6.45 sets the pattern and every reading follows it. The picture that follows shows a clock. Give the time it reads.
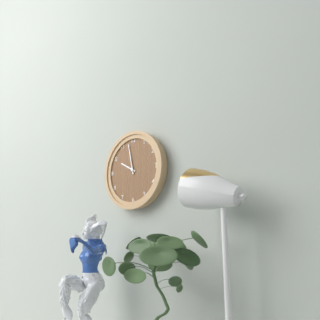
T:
9.58
